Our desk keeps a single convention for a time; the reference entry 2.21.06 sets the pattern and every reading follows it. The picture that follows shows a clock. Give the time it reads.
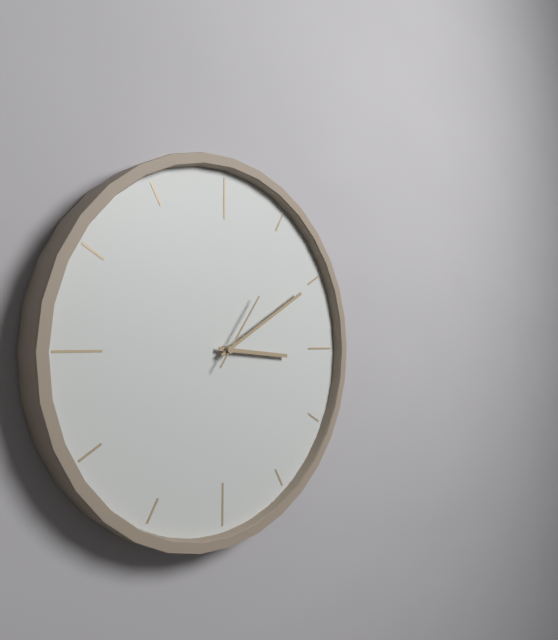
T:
3.10.06
